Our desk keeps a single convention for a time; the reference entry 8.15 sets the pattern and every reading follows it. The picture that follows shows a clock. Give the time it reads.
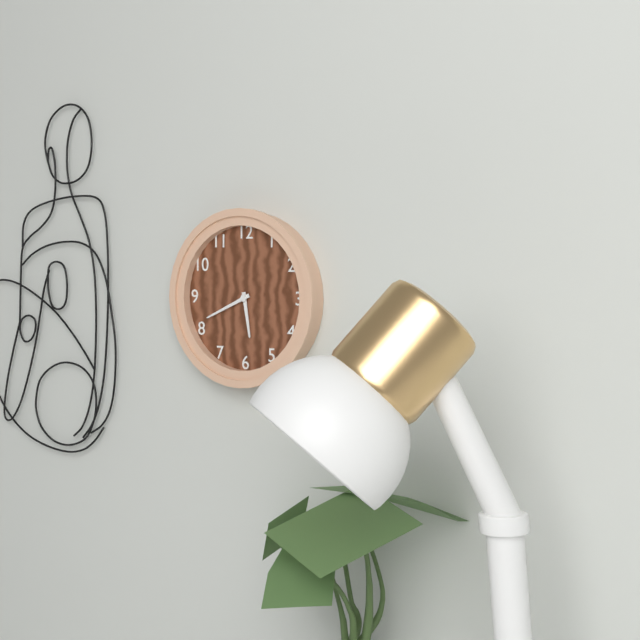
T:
5.41
